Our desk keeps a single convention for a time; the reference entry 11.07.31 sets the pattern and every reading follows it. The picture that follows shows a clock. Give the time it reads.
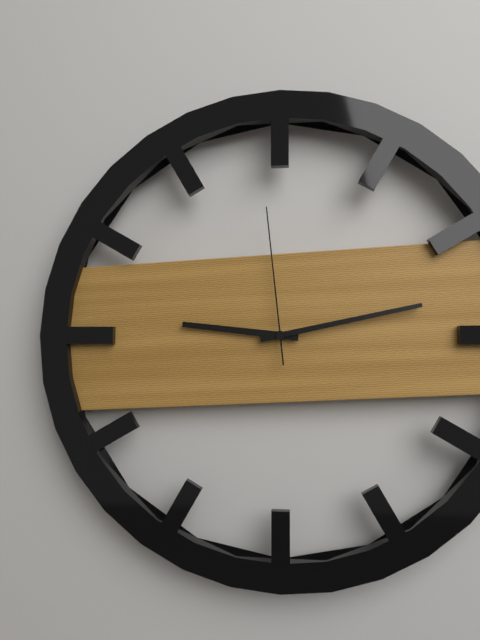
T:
9.13.59
